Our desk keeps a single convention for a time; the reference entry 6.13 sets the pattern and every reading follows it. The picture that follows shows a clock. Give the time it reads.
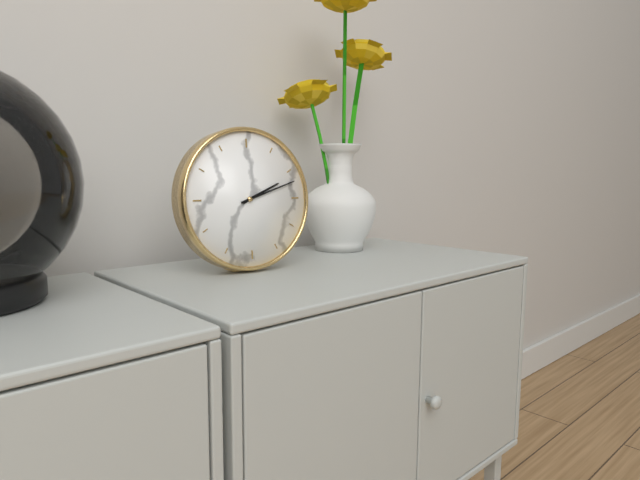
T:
2.12
